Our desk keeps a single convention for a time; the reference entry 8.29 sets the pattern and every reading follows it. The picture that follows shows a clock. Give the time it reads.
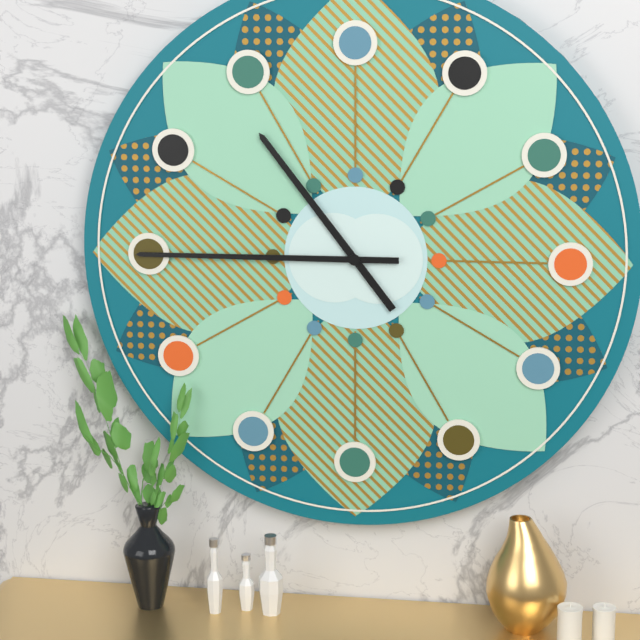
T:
10.45
